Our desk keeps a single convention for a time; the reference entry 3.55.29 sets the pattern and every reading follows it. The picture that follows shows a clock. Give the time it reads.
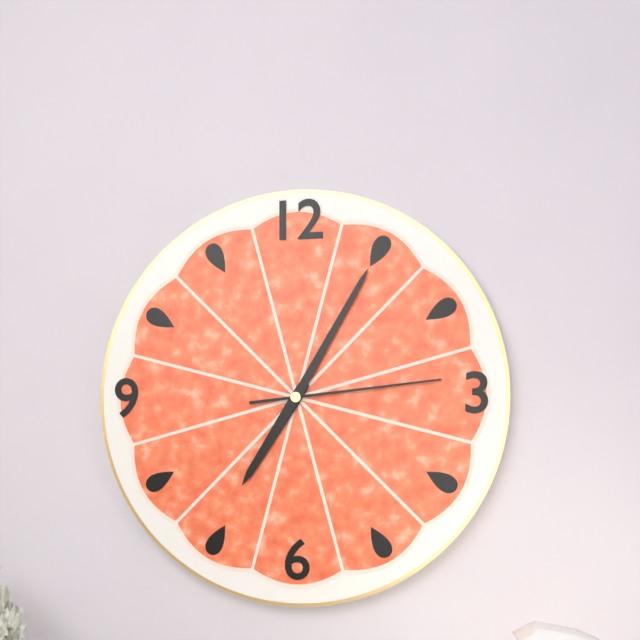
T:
7.05.14
